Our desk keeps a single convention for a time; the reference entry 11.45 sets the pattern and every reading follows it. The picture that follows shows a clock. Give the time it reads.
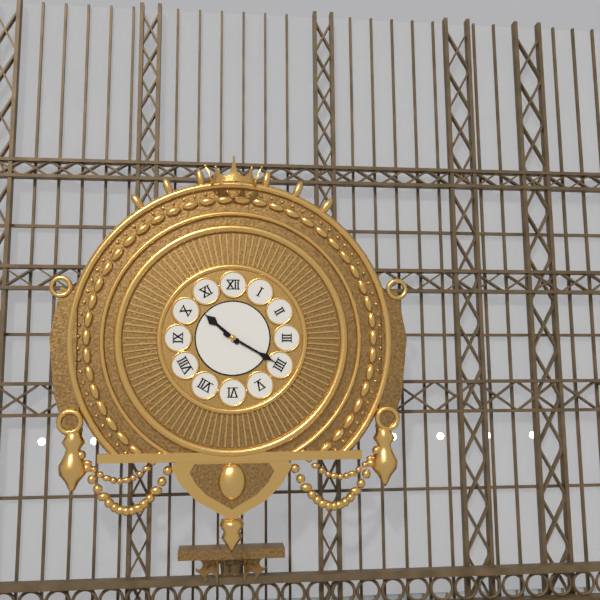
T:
10.20
